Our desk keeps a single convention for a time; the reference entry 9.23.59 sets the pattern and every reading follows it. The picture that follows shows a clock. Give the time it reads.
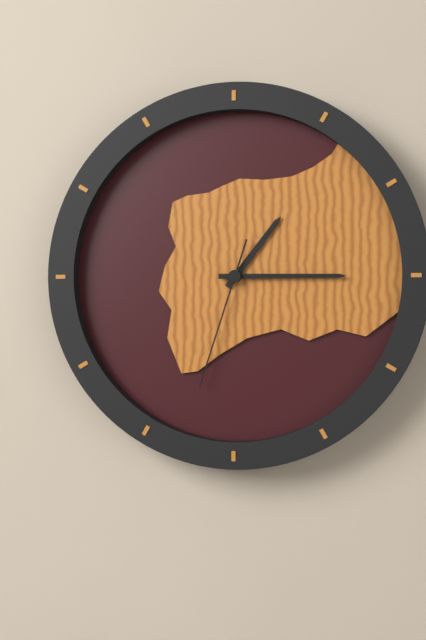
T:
1.15.33
